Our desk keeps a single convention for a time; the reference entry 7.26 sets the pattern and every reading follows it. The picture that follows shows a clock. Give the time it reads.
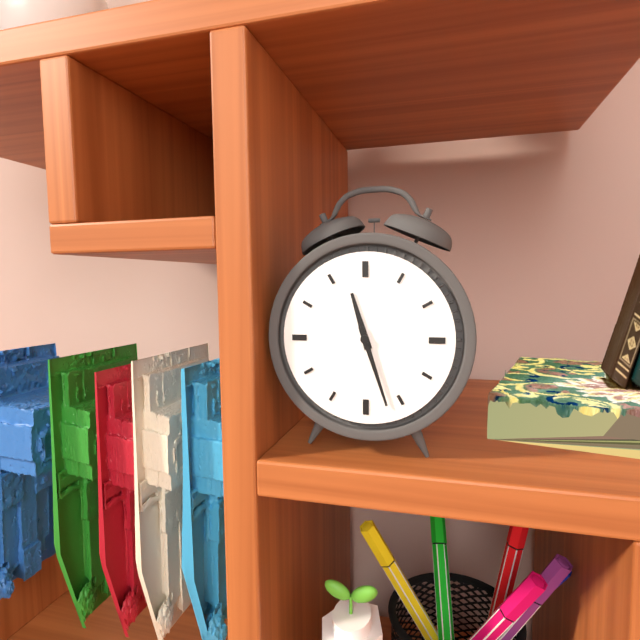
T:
11.27
